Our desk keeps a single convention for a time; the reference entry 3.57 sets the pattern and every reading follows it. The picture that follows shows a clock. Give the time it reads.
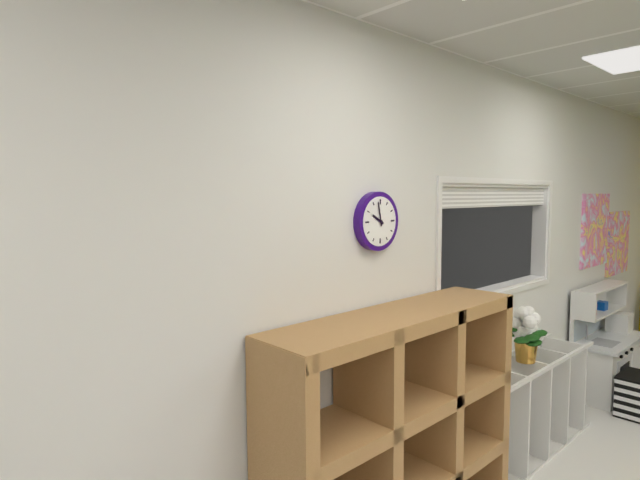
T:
9.58
